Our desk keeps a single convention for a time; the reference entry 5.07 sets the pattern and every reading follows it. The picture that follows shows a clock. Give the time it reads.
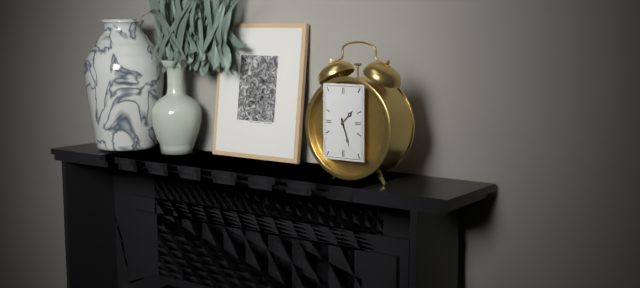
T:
1.27
